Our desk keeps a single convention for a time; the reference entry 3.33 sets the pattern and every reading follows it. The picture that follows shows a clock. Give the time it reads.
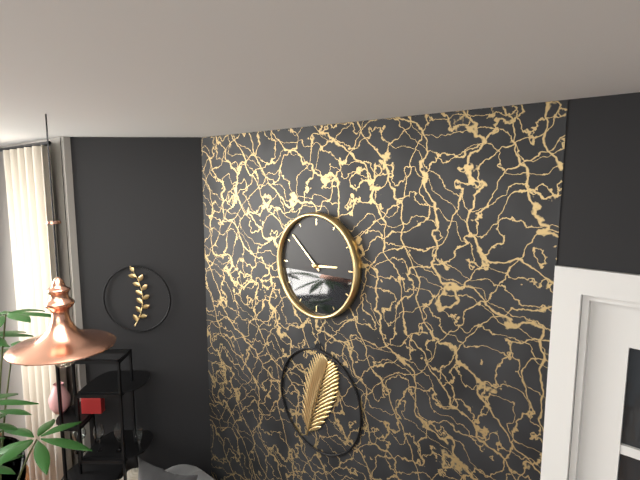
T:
2.52
